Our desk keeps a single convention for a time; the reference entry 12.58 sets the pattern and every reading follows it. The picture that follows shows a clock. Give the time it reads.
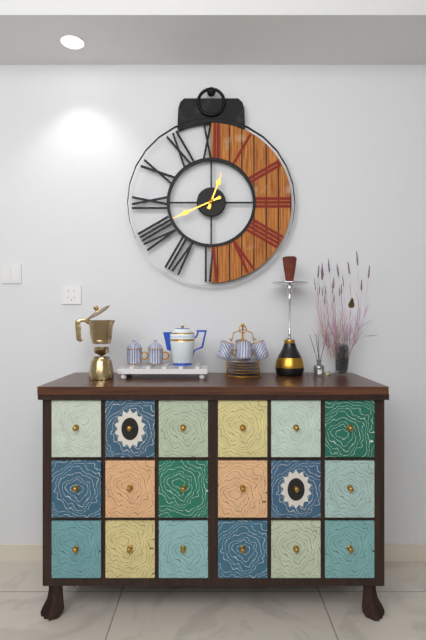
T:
12.41
